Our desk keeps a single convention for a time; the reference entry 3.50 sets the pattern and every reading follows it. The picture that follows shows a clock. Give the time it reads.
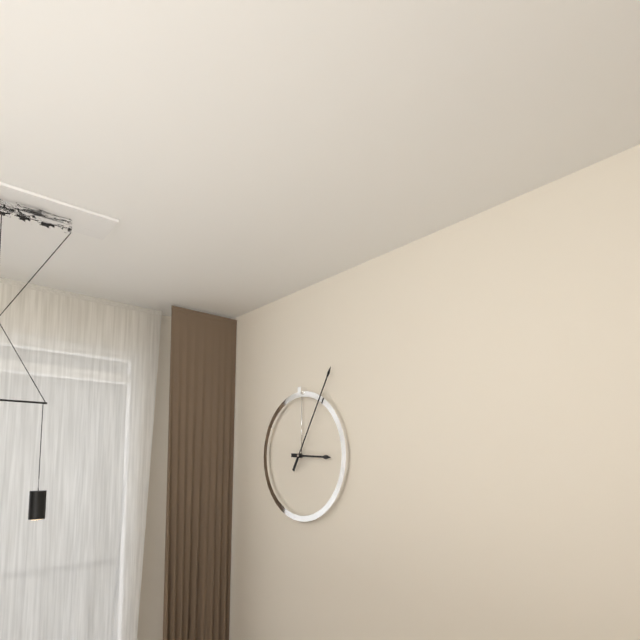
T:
3.05
